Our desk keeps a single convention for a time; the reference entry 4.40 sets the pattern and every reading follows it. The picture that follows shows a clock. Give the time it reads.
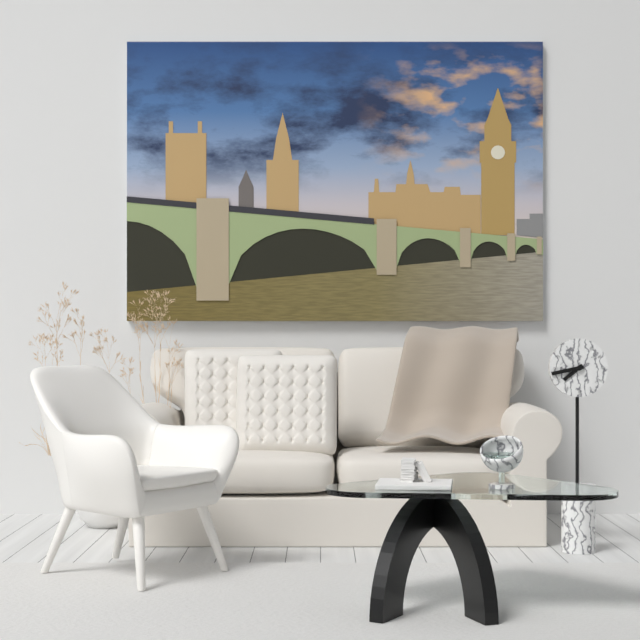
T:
7.43
